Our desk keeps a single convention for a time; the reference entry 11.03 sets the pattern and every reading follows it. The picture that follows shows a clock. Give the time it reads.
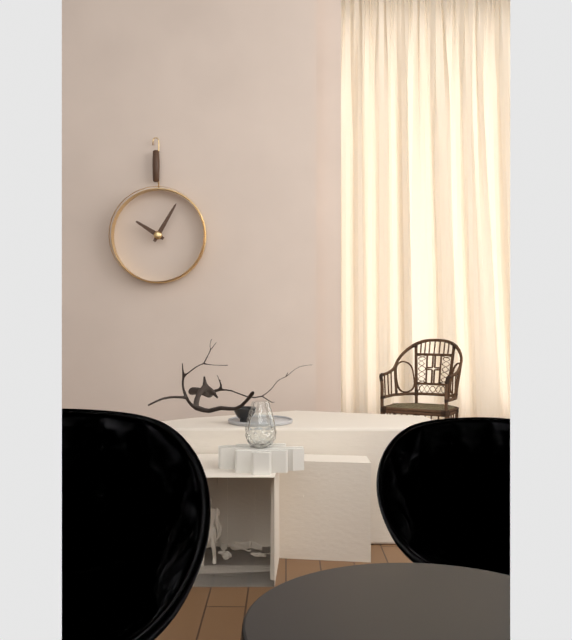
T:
10.05
